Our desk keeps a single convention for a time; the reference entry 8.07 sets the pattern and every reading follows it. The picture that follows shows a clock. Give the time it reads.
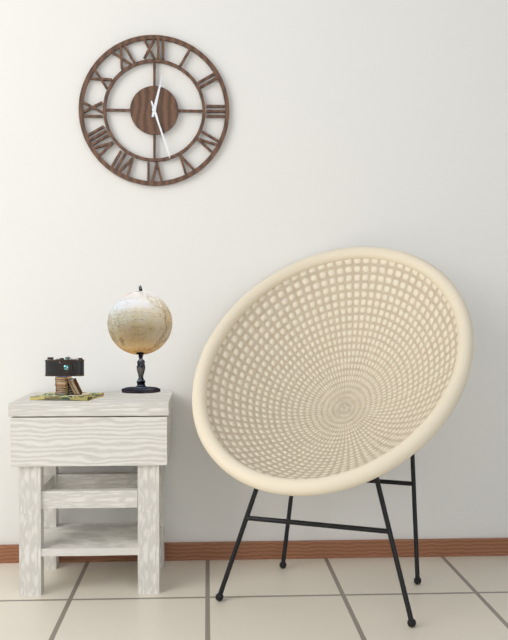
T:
12.27
